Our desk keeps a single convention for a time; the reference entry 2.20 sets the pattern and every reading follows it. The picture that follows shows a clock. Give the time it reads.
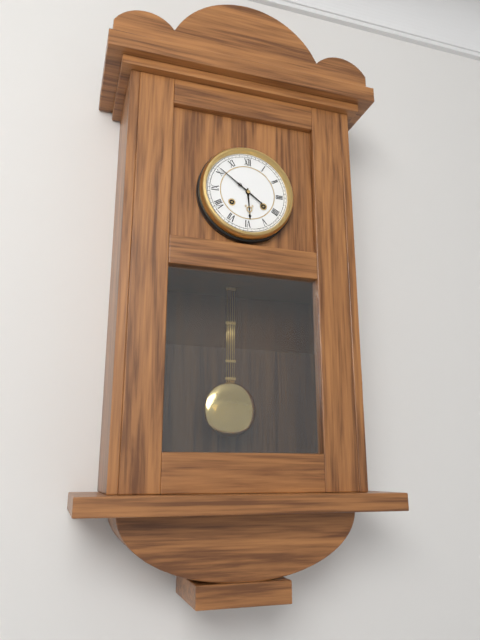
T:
5.51
